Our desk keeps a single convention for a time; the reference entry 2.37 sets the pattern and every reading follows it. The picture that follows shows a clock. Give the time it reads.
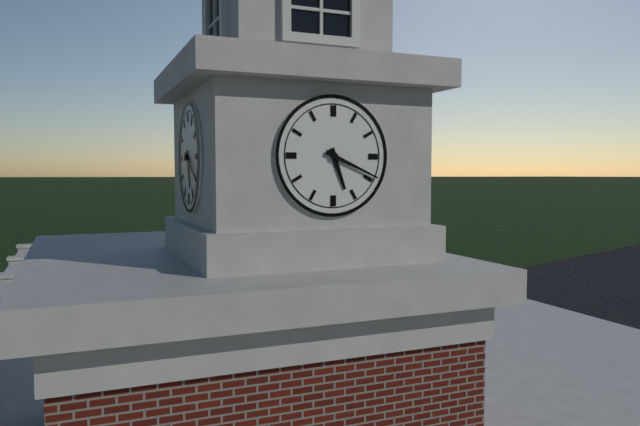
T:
5.19
